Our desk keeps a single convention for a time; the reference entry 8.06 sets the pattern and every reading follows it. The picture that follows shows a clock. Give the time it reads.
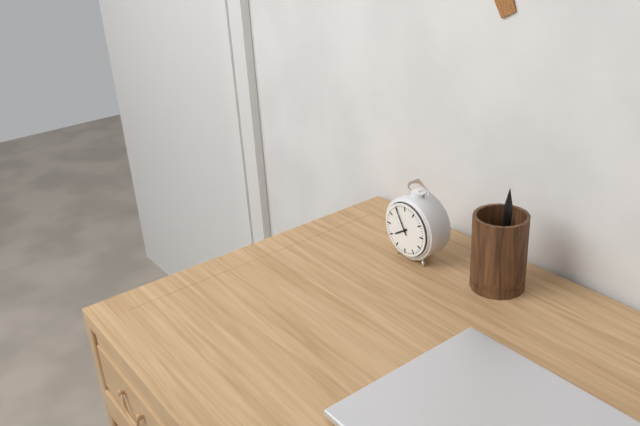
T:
7.55
